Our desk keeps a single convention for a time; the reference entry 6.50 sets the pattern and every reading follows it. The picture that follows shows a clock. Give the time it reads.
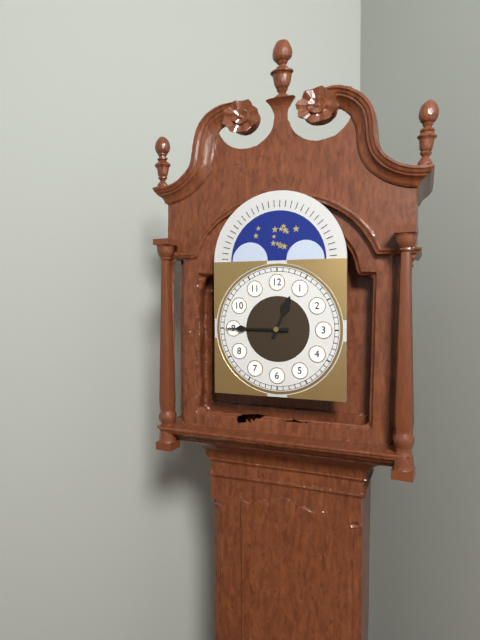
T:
12.45
